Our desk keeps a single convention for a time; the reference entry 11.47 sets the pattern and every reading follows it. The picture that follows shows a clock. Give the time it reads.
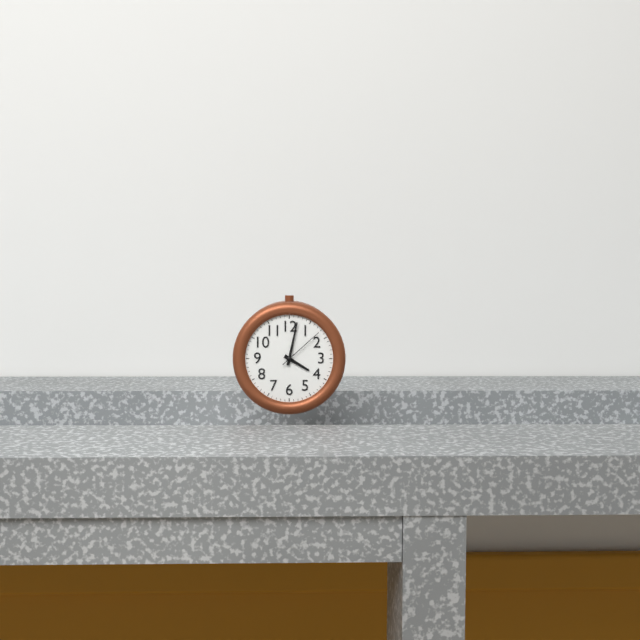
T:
4.02
